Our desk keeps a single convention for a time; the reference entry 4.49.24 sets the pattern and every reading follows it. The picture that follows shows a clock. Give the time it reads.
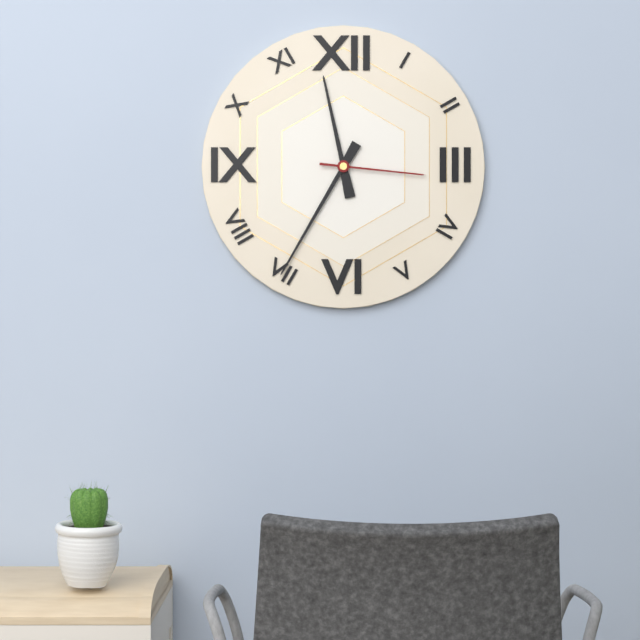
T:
11.35.16
